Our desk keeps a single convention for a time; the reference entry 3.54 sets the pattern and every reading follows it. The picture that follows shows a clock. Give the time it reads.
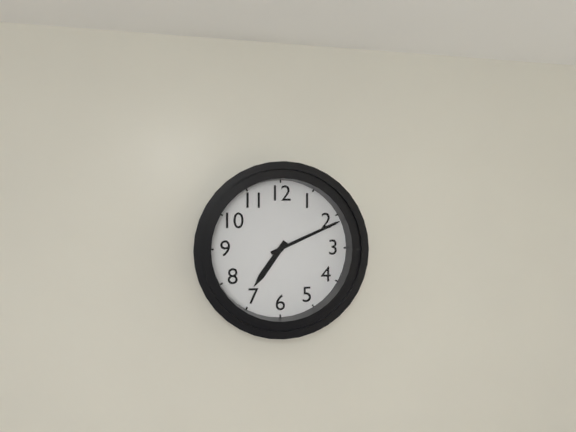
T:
7.11
